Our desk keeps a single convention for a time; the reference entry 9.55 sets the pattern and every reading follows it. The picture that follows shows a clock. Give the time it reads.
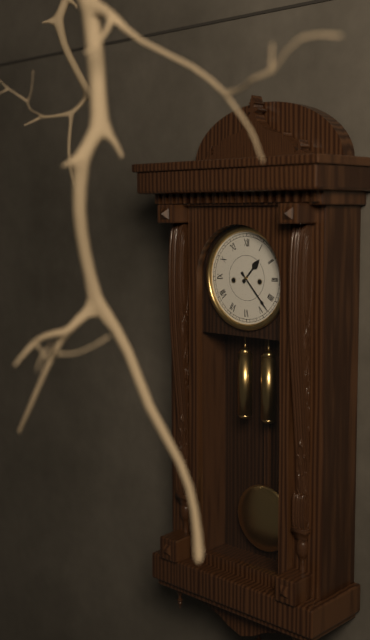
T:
1.23
